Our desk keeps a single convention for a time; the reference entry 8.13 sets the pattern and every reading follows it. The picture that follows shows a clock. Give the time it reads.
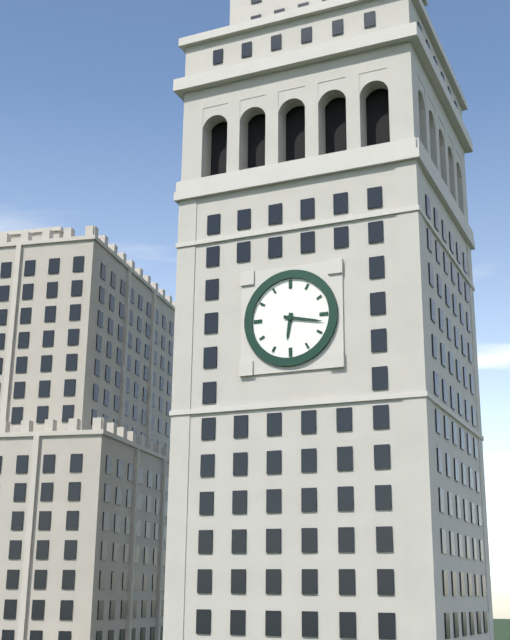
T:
6.17
